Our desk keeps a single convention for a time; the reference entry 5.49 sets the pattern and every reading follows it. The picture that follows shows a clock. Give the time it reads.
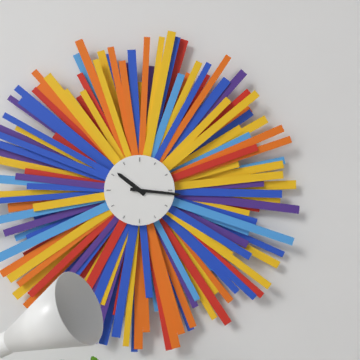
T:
10.16
